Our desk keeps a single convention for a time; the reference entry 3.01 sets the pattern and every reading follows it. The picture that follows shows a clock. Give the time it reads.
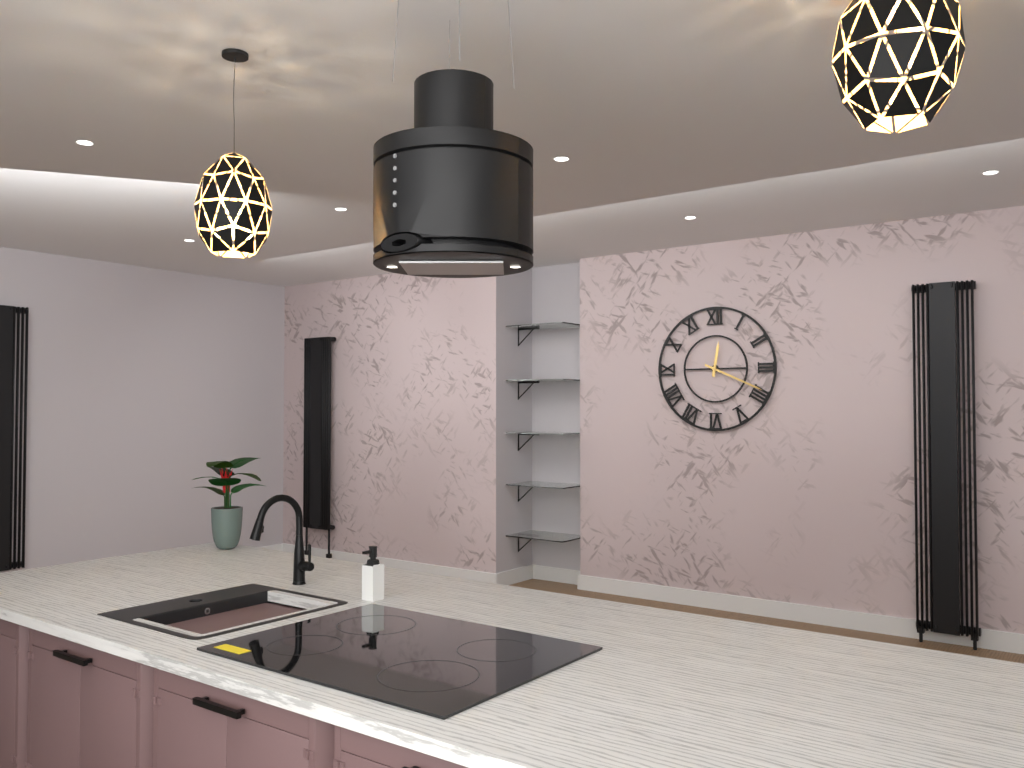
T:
12.19
